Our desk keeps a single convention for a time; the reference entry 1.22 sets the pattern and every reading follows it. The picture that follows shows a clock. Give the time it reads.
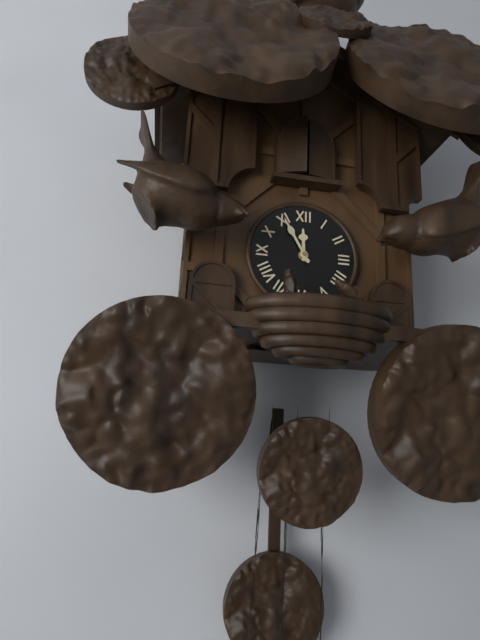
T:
11.55
